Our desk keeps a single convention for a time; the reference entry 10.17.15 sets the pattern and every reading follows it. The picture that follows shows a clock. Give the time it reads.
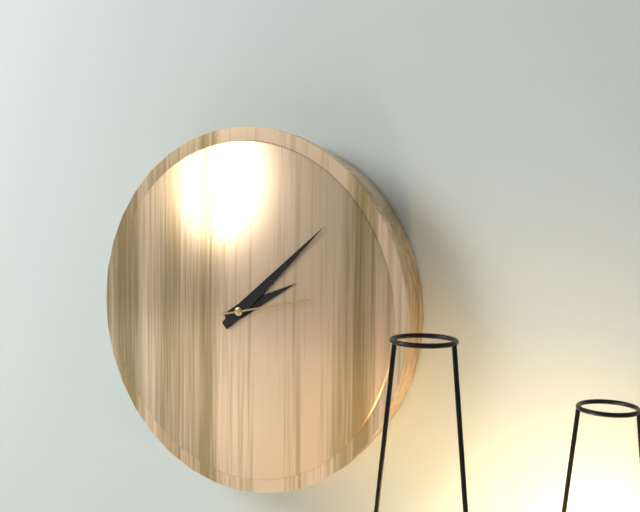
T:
2.08.13
